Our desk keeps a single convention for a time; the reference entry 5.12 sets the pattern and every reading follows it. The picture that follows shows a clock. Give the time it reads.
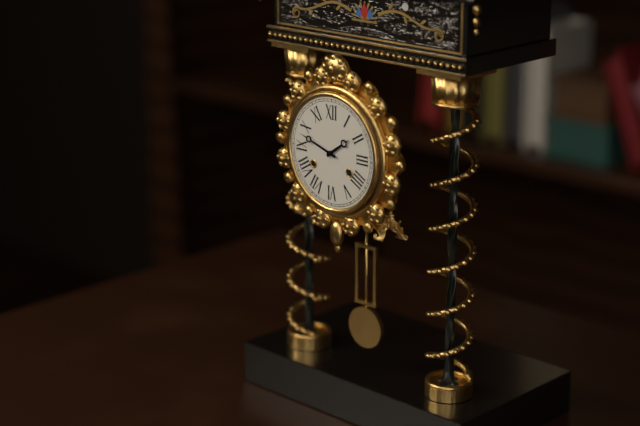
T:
1.48
